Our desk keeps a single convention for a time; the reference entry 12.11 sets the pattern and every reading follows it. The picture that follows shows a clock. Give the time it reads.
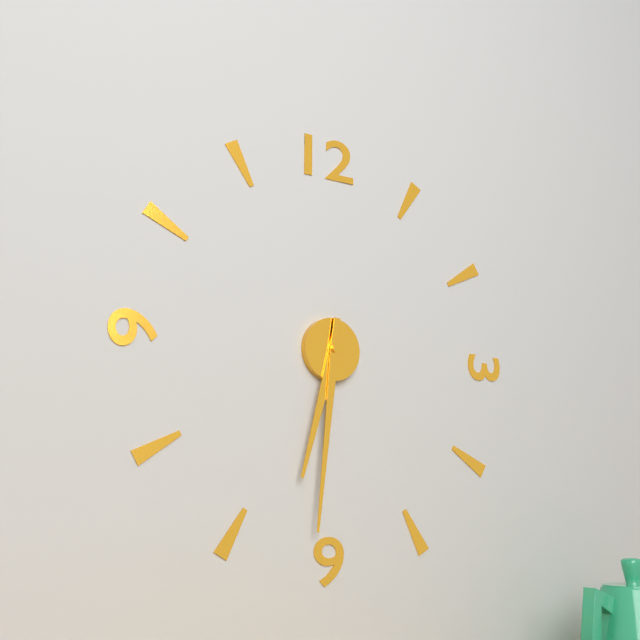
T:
6.31
